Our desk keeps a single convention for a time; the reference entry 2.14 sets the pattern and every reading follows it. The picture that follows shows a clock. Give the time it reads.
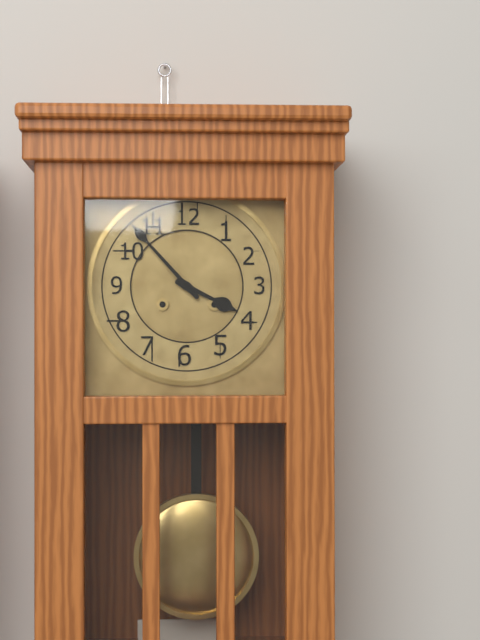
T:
3.53
